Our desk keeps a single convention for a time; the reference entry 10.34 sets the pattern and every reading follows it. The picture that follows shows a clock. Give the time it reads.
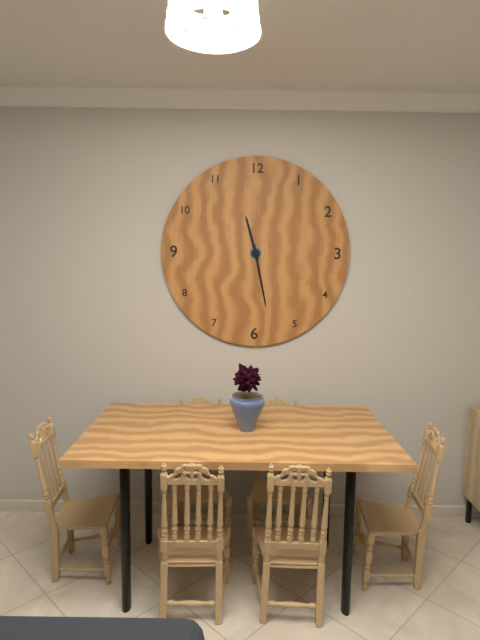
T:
11.28
